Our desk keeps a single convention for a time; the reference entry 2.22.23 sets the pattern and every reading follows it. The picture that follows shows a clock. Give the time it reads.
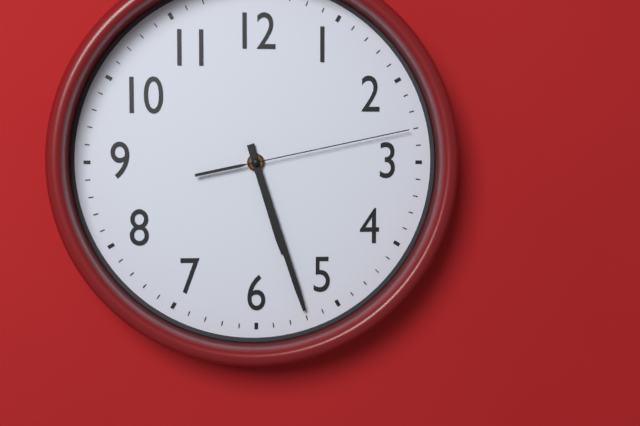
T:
5.27.13
